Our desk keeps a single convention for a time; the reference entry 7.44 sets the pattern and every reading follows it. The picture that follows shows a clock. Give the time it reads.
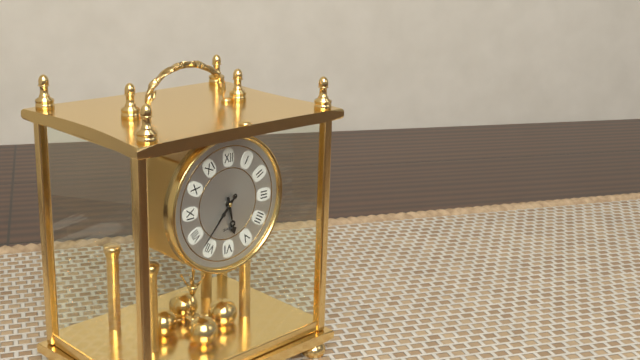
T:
5.37
